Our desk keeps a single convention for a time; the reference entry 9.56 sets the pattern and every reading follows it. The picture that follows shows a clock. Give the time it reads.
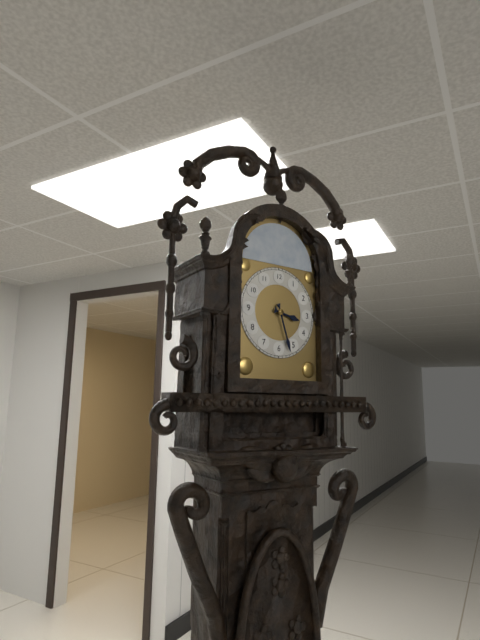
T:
3.27
